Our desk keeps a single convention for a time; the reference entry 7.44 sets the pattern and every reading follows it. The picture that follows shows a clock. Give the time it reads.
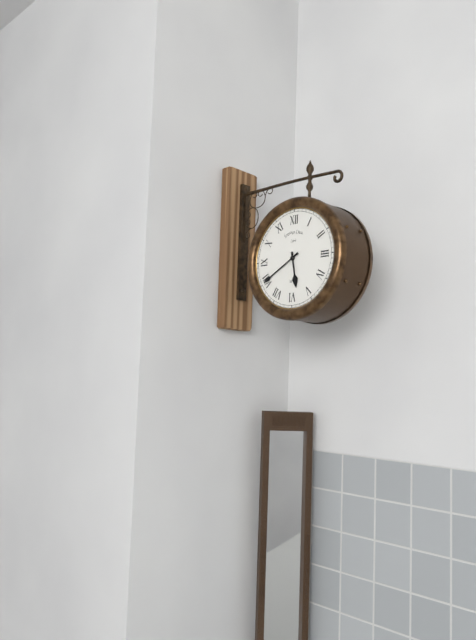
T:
5.40
